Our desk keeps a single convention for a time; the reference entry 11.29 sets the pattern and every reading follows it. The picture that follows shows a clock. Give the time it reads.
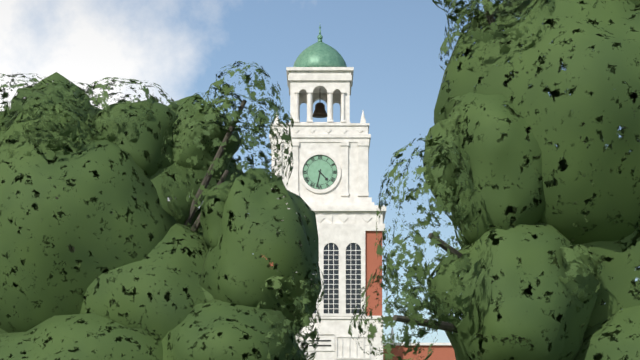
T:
4.32
